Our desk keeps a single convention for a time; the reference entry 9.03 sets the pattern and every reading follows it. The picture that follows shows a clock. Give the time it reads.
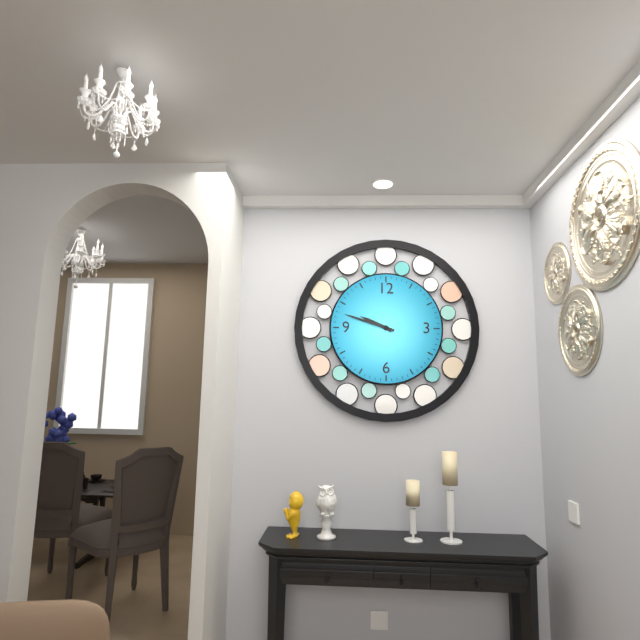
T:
9.48
